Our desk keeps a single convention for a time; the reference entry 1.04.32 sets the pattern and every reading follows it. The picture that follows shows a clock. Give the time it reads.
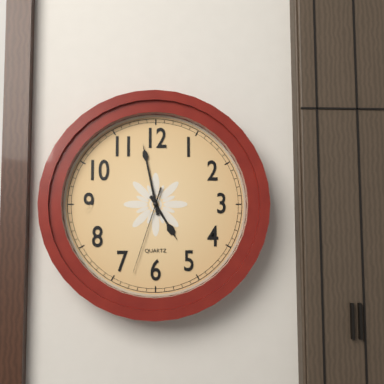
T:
4.58.33
